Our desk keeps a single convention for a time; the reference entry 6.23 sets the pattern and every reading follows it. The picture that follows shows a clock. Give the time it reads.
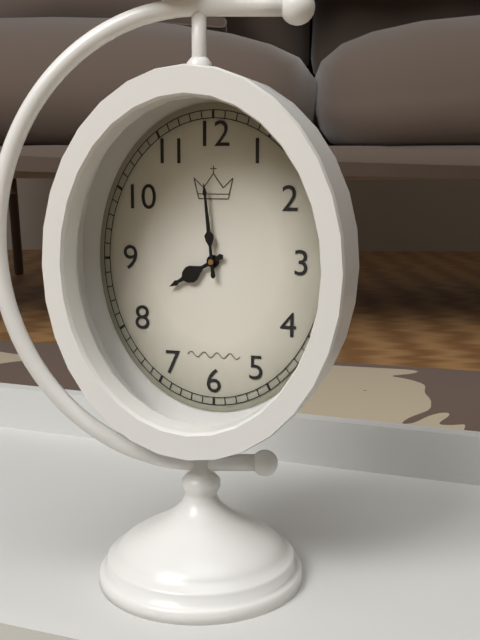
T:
7.59
